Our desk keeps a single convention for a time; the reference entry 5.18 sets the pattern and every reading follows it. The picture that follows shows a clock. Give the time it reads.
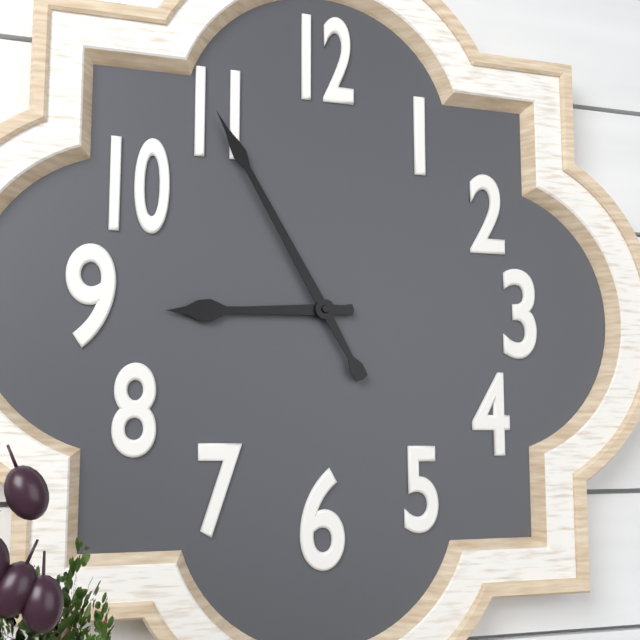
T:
8.55
